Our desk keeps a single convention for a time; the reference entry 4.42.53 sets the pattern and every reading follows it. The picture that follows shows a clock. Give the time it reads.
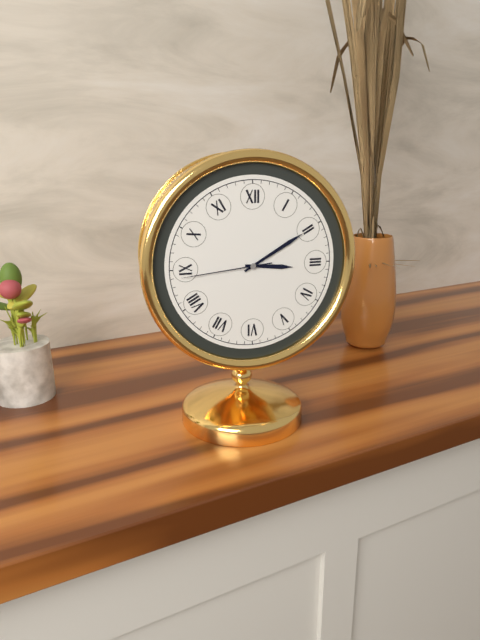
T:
3.10.44
